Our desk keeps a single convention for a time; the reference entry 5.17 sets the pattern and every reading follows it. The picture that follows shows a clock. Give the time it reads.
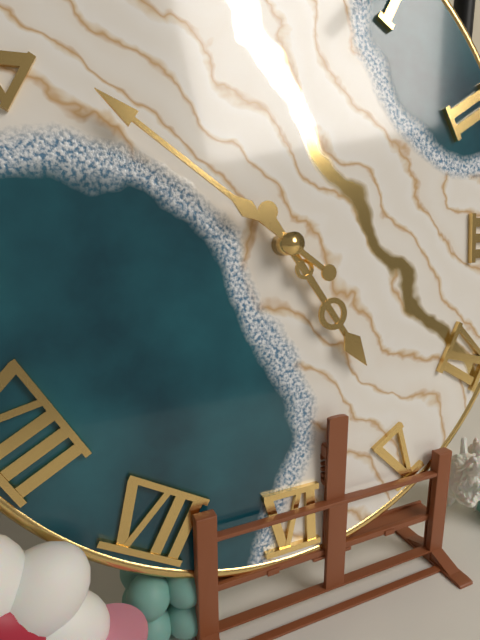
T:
4.51
